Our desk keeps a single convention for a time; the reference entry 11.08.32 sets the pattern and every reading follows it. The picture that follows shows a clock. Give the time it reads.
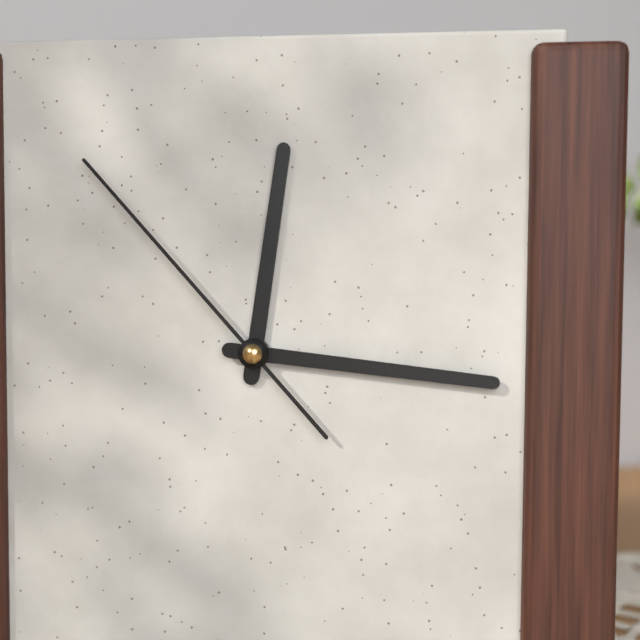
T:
12.16.53
